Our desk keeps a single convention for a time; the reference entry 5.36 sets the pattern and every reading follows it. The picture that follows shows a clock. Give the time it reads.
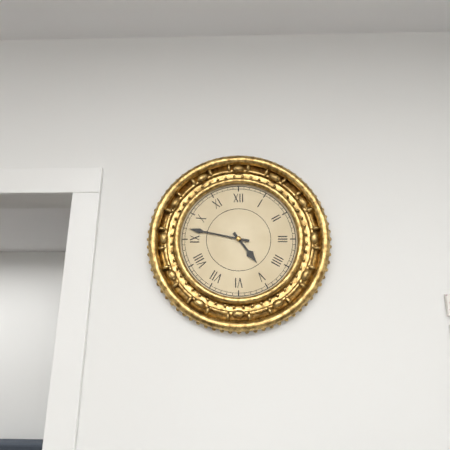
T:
4.47
